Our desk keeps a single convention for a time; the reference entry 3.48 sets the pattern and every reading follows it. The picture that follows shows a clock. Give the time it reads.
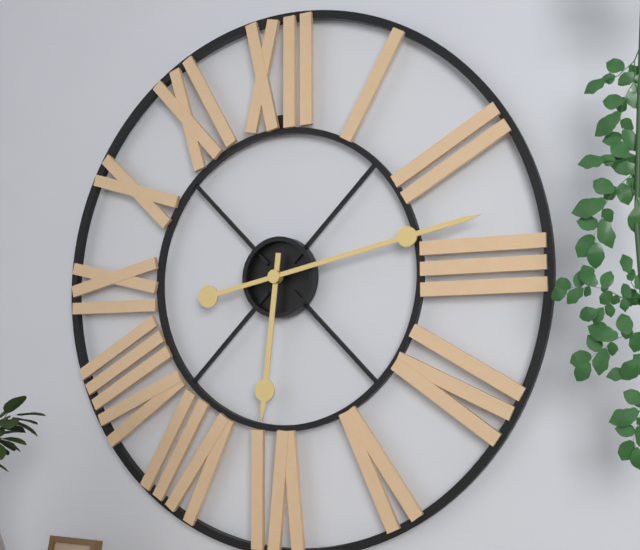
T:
6.13
